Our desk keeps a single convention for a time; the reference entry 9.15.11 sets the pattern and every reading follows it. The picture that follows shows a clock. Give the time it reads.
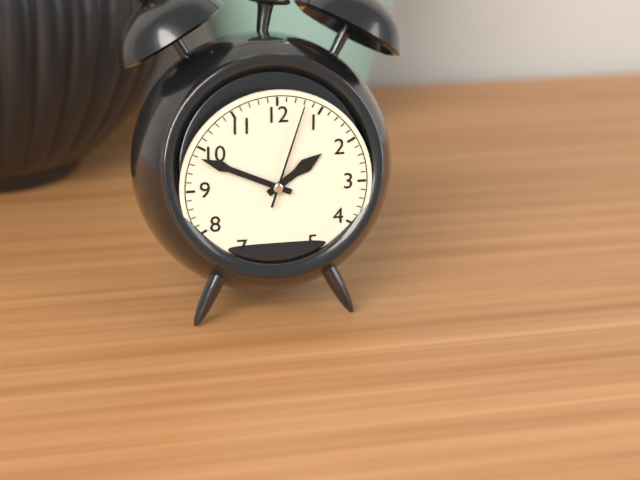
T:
1.49.03
